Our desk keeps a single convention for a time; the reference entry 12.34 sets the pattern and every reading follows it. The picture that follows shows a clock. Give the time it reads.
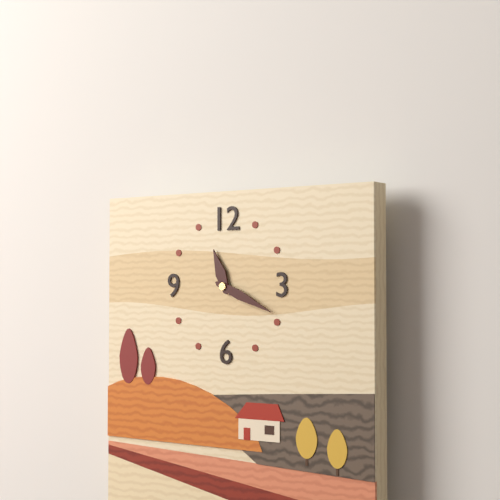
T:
11.19
